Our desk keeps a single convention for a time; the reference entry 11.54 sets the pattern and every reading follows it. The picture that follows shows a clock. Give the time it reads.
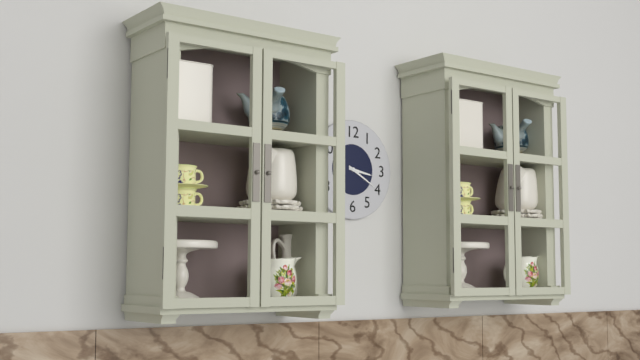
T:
3.20
